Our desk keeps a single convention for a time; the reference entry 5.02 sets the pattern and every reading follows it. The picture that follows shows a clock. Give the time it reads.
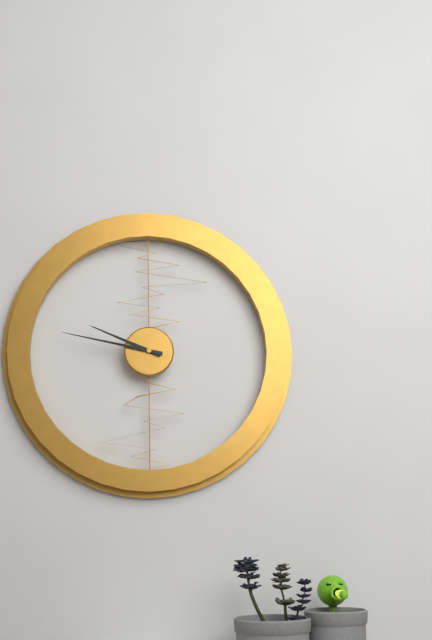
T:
9.47
